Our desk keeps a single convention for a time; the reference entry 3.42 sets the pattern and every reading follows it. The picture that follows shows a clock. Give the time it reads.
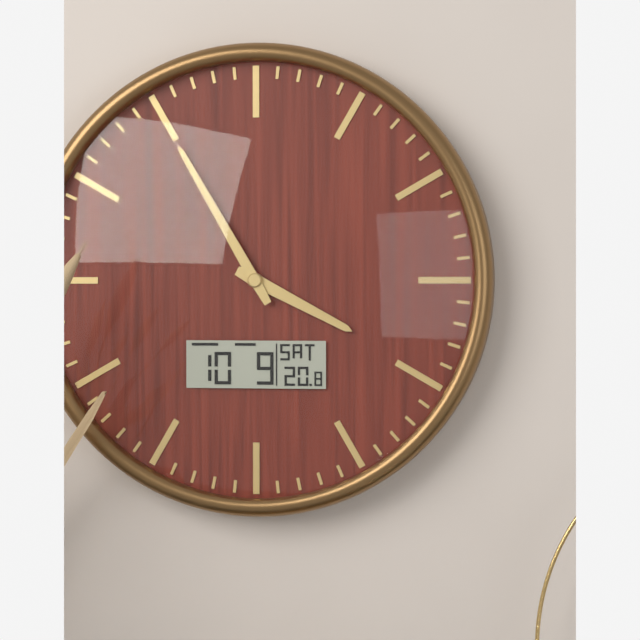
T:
3.55
